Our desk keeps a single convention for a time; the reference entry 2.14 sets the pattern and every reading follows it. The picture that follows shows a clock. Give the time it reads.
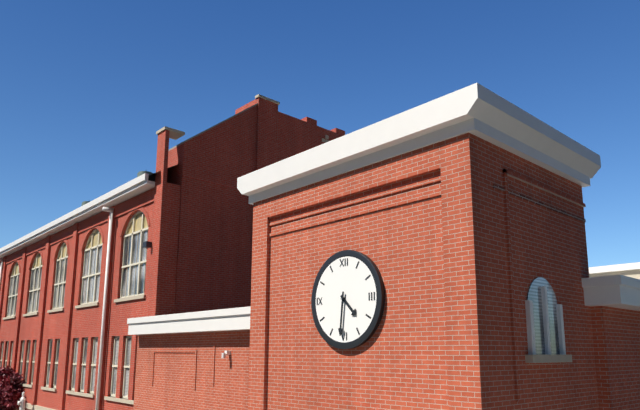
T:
4.31
